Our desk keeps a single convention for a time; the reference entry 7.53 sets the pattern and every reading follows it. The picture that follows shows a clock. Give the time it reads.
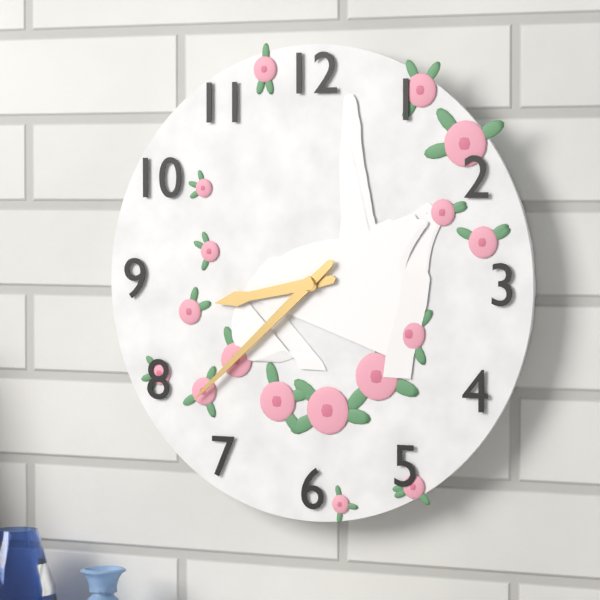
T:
8.38
